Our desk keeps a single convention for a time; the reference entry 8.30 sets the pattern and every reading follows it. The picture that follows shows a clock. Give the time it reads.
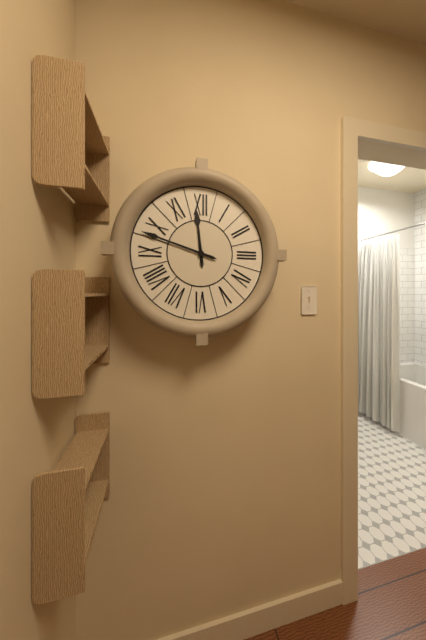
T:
11.48
